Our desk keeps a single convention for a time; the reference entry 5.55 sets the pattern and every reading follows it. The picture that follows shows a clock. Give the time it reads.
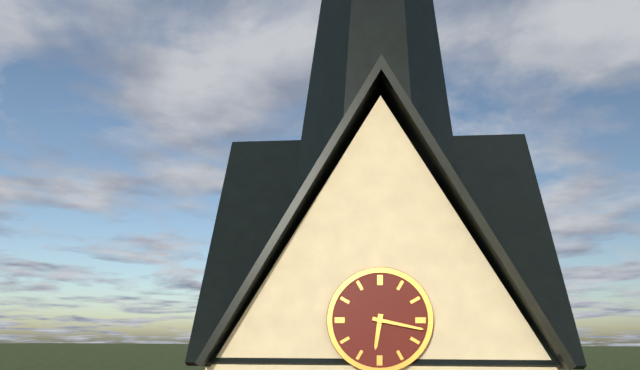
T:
6.17
